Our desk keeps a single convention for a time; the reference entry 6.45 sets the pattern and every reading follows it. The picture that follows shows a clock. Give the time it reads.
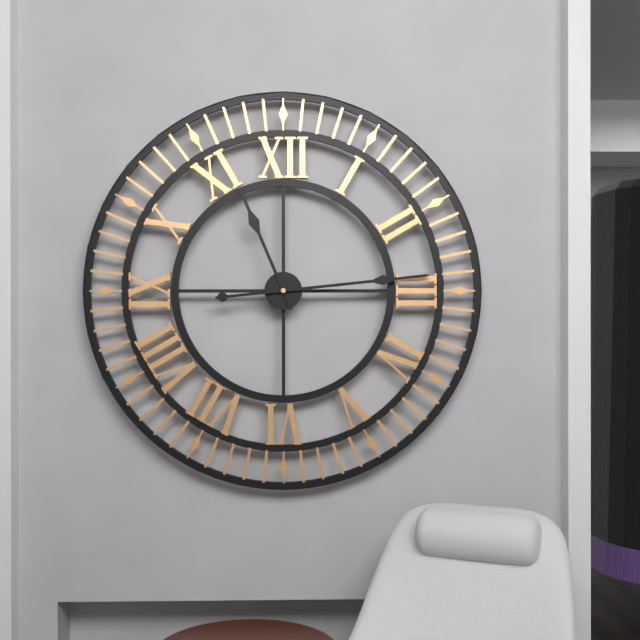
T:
11.14
